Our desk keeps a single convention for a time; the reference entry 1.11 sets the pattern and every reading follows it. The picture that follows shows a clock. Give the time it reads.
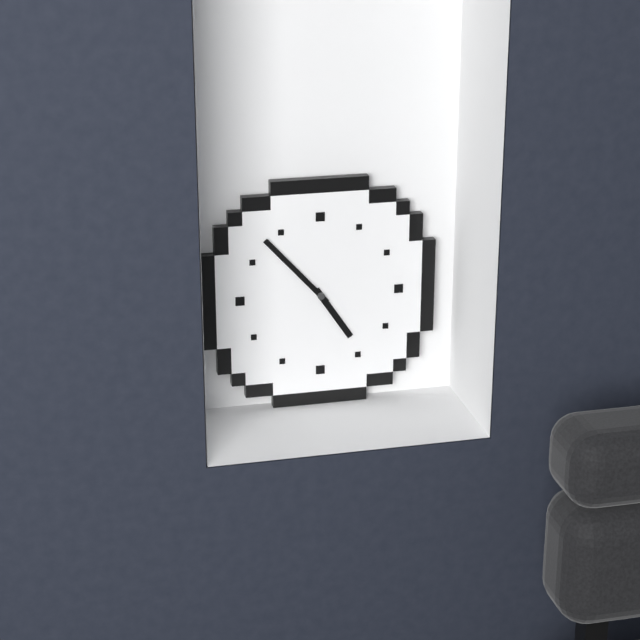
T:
4.53
